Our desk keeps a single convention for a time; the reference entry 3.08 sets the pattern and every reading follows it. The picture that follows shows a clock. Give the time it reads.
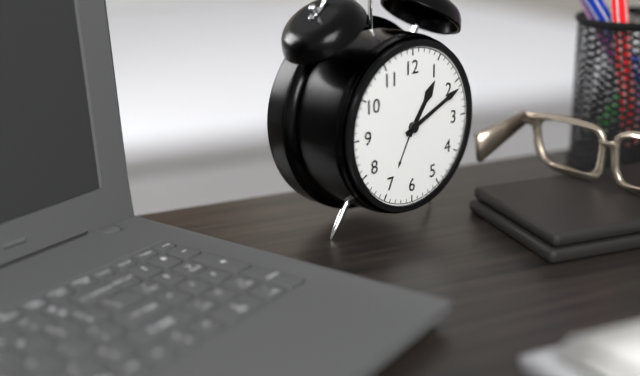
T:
1.11
